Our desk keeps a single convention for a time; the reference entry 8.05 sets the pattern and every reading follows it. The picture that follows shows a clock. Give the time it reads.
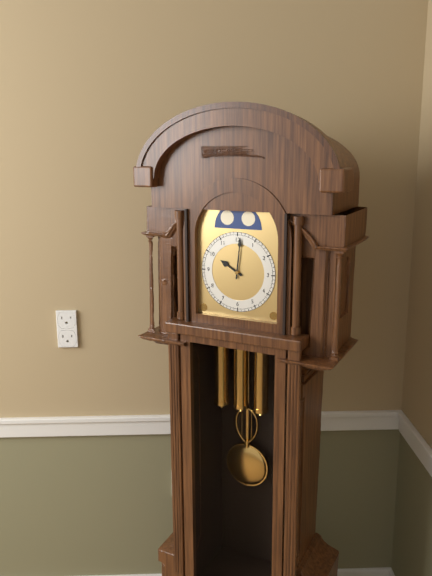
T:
10.01
